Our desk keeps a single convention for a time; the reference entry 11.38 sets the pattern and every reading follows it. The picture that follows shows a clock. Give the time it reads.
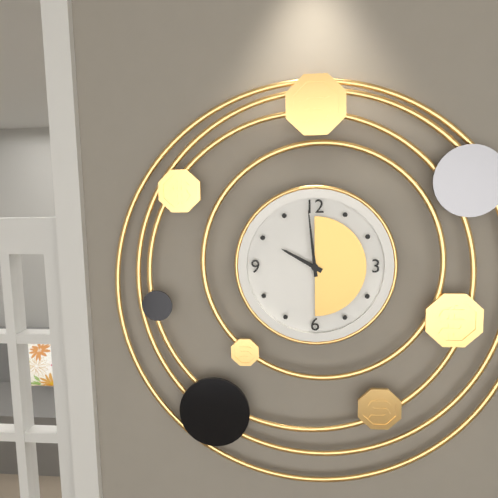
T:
9.59
